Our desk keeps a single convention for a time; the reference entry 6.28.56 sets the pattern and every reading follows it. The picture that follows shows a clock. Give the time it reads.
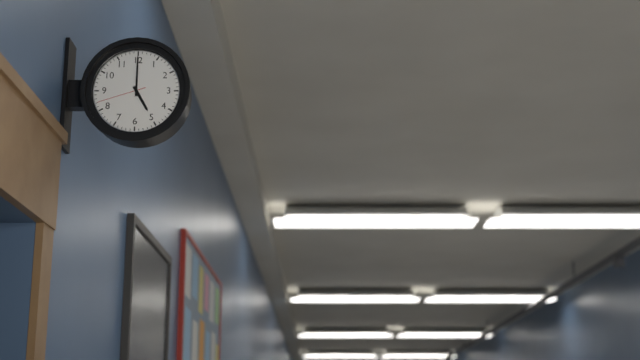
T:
5.00.42
